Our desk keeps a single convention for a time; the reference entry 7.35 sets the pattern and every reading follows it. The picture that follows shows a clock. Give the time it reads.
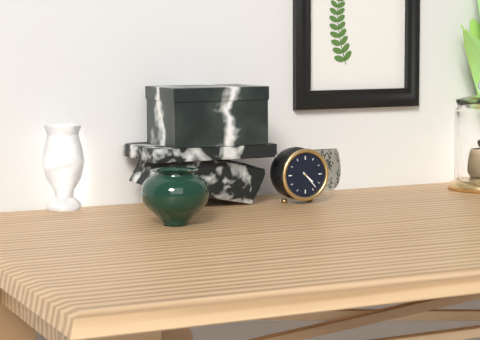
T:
4.23
